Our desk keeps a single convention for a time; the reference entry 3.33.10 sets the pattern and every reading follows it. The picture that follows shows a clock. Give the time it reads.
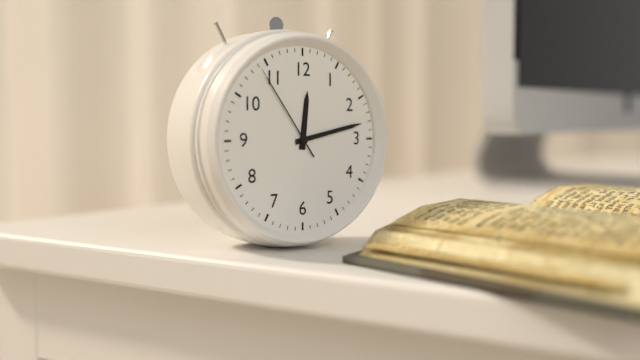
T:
12.13.54
